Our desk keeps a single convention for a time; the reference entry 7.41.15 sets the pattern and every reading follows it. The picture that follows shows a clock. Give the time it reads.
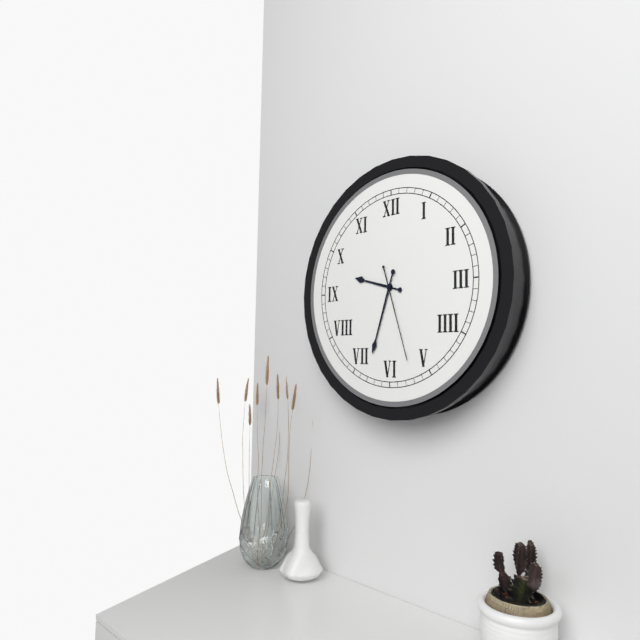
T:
9.33.27
